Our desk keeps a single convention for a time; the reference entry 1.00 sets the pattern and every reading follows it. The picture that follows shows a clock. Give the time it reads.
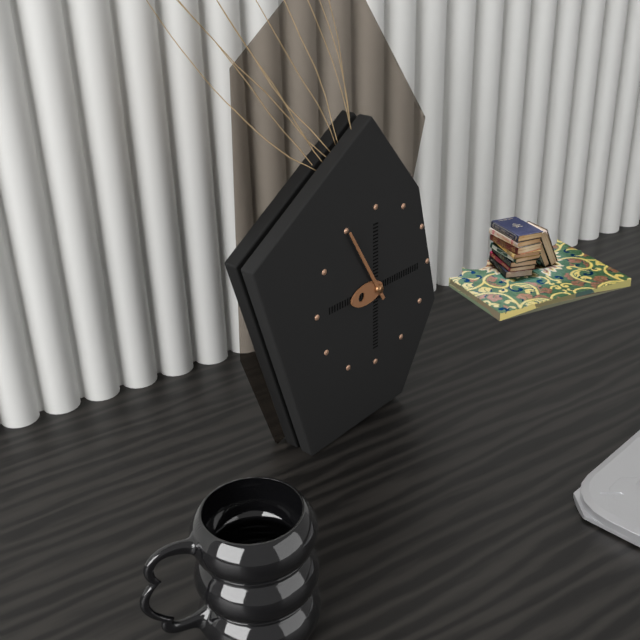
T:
8.55
